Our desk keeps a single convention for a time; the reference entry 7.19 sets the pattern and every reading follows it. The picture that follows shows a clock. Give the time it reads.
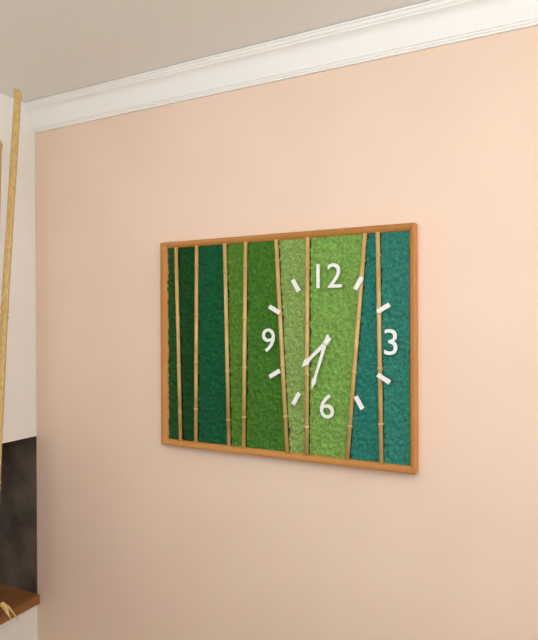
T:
7.33
